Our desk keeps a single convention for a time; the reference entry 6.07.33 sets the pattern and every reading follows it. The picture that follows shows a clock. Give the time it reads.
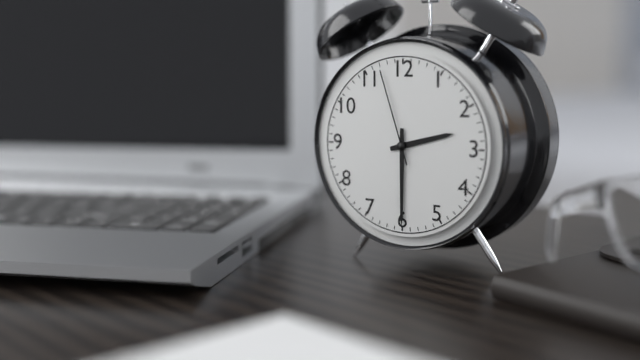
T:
2.30.57
